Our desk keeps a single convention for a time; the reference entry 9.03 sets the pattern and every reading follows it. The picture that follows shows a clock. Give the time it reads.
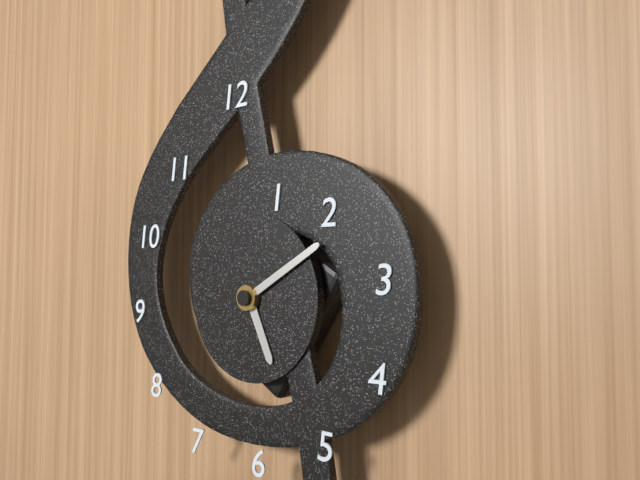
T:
5.10
